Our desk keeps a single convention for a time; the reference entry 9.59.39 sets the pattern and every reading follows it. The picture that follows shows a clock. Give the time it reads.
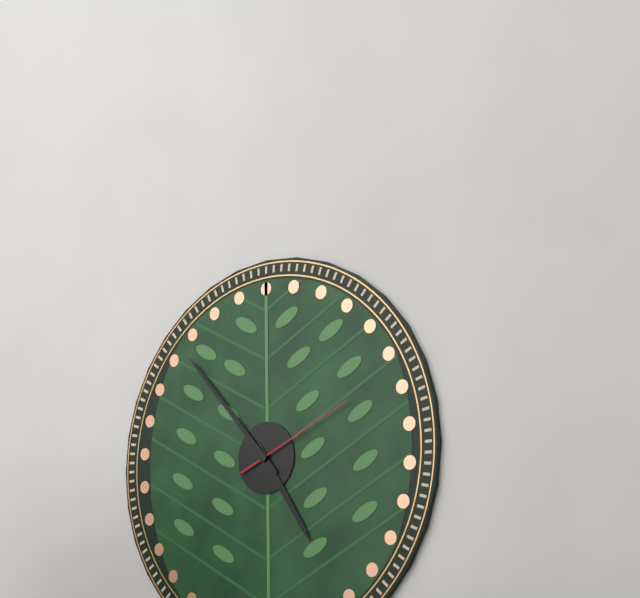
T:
4.53.11
